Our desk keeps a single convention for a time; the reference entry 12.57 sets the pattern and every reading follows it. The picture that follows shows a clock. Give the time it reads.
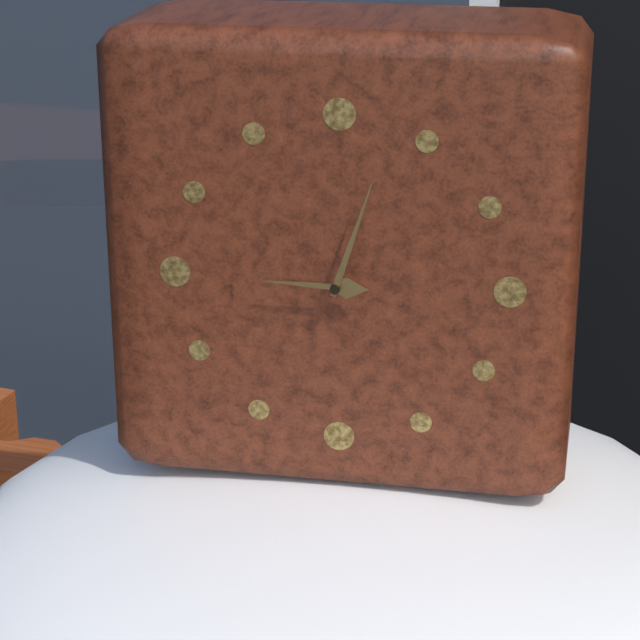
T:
9.03
